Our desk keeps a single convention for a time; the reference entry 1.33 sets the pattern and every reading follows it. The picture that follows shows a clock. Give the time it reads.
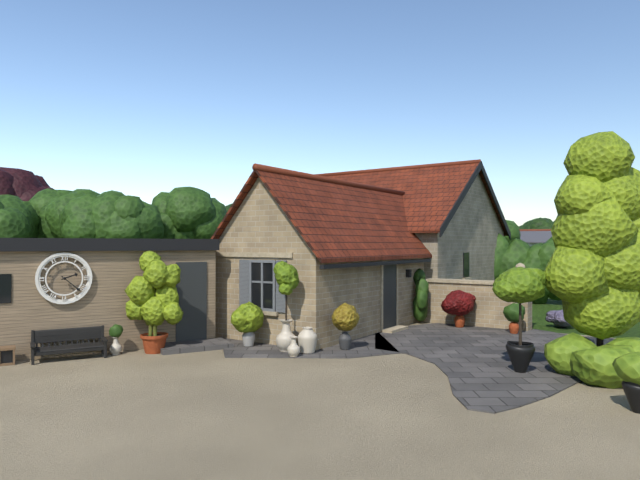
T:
2.22
